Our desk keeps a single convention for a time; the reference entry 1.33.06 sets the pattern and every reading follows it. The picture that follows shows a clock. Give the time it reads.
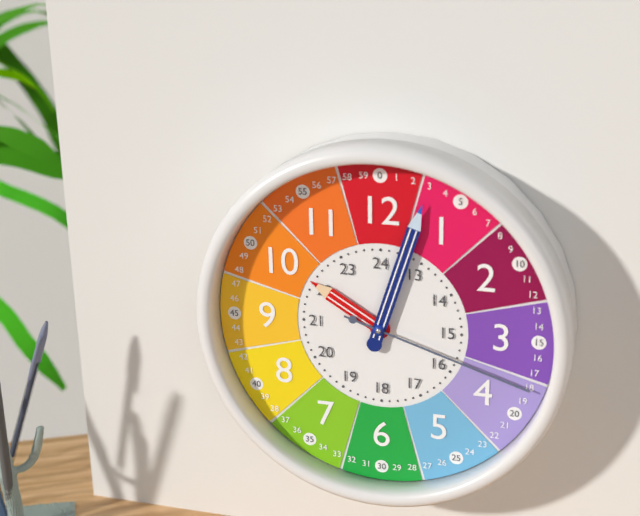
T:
10.03.18
